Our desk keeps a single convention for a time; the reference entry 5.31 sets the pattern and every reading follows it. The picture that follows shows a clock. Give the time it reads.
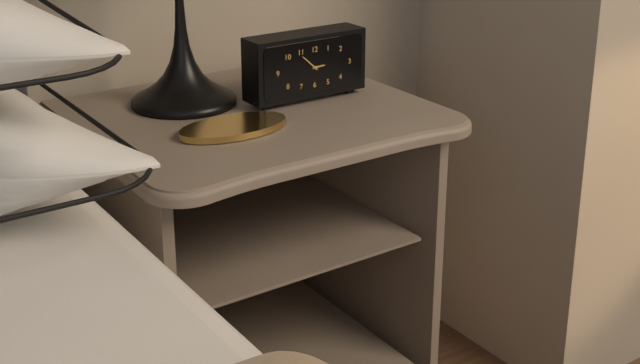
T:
2.52
